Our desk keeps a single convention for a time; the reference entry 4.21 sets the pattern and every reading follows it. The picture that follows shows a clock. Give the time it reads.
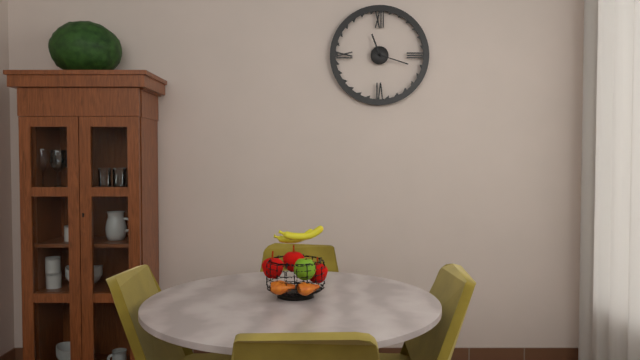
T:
11.18
